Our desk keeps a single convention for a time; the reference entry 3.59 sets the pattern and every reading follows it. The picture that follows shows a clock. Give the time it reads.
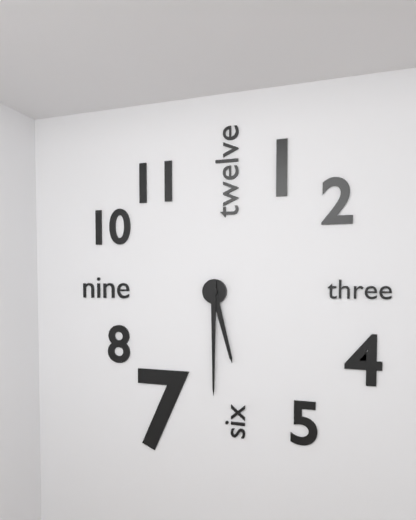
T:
5.30
